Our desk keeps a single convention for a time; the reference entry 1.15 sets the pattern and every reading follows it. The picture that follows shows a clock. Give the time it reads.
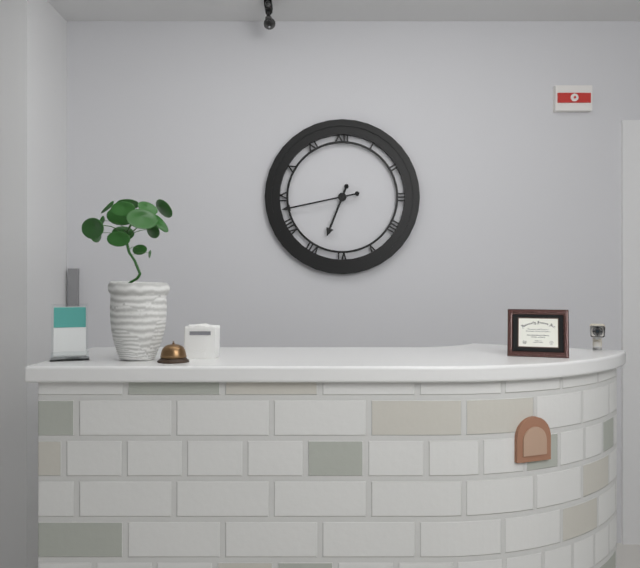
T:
6.43
